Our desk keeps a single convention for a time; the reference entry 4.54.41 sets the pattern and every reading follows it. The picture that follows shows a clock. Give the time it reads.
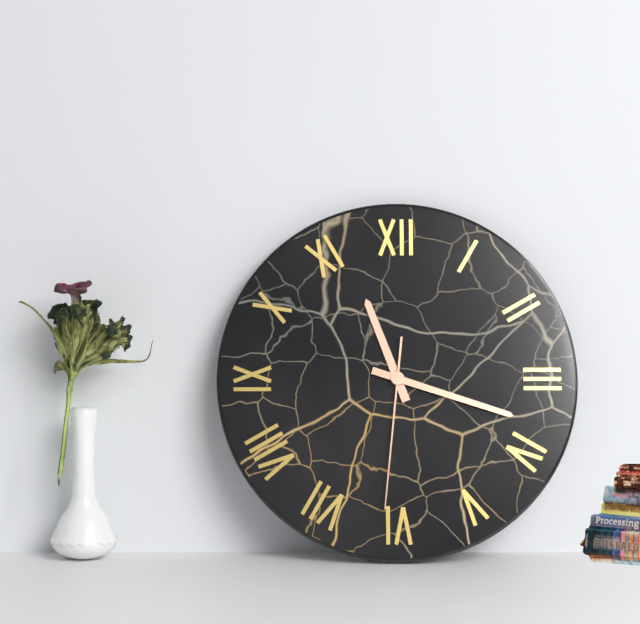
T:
11.18.31
